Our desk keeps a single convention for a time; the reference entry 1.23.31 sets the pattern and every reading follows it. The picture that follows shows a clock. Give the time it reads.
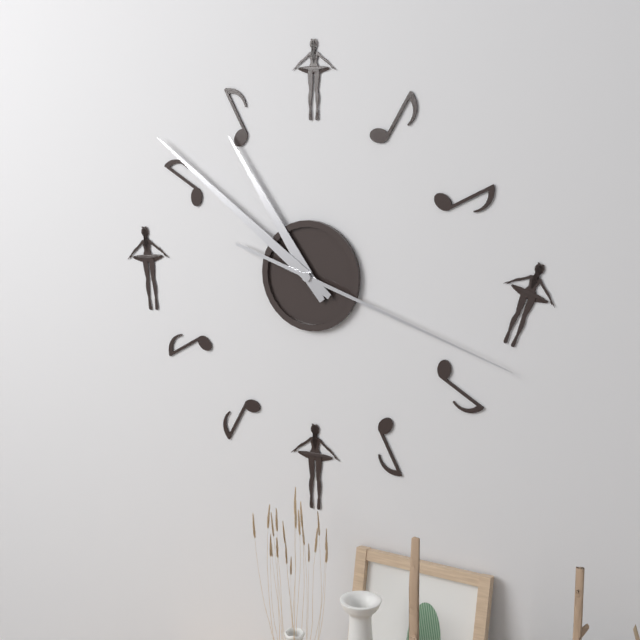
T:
10.51.18
